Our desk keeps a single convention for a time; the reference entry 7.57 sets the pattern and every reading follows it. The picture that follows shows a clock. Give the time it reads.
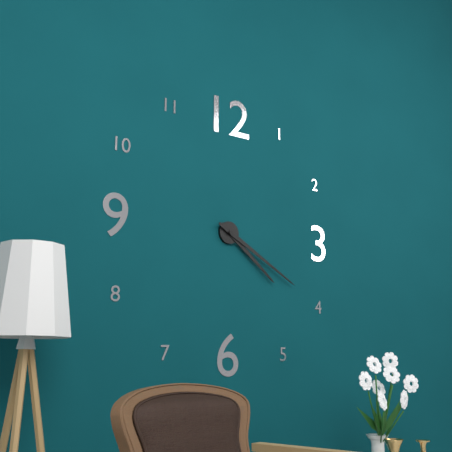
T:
4.20
